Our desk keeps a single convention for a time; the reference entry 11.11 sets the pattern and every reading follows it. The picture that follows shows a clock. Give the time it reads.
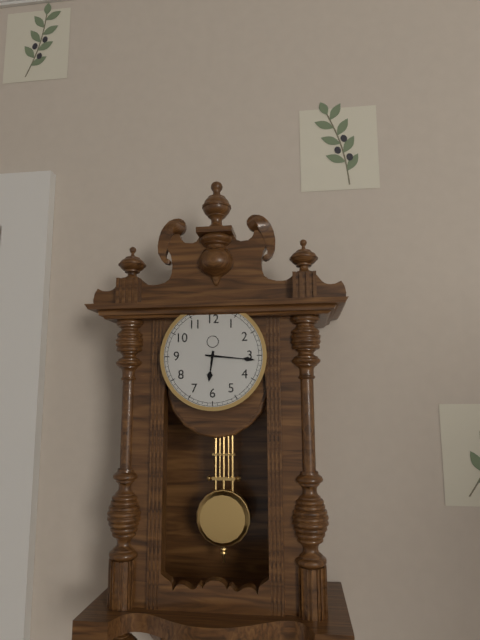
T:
6.16
